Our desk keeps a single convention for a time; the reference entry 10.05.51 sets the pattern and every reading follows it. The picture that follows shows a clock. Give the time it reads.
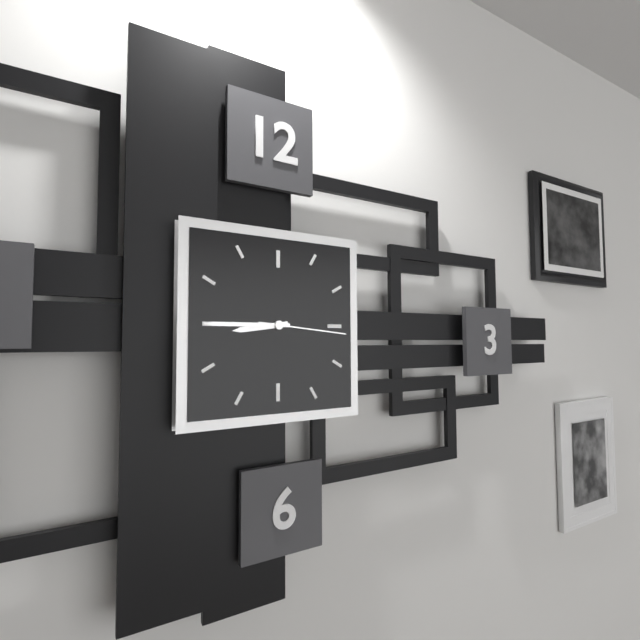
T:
8.45.16
